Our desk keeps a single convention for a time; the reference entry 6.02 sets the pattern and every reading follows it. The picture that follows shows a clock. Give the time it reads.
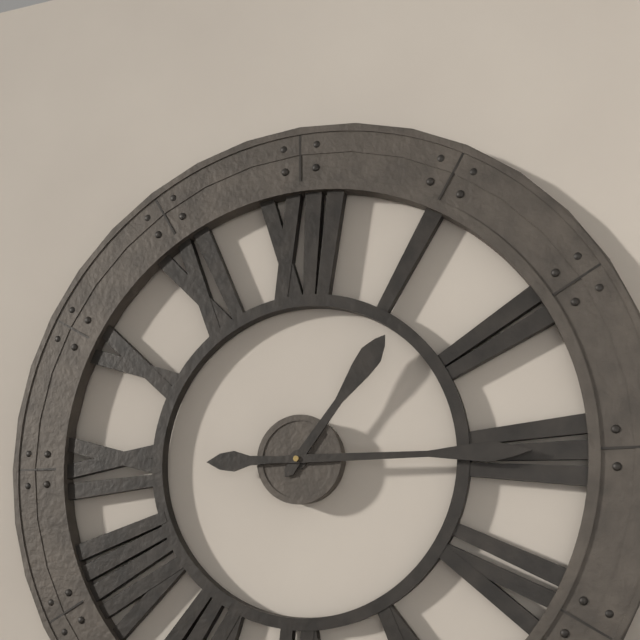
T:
1.15
